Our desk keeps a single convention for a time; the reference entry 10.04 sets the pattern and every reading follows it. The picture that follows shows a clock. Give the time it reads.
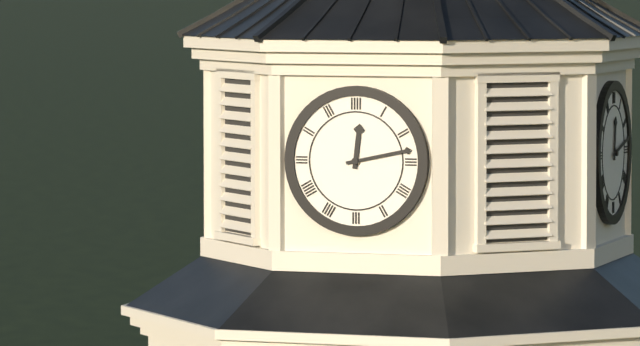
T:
12.13
